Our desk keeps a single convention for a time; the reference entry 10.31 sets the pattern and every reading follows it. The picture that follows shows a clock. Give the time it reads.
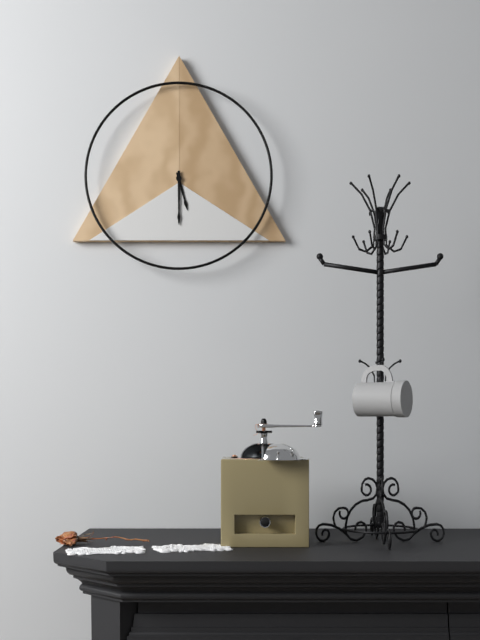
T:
5.30
